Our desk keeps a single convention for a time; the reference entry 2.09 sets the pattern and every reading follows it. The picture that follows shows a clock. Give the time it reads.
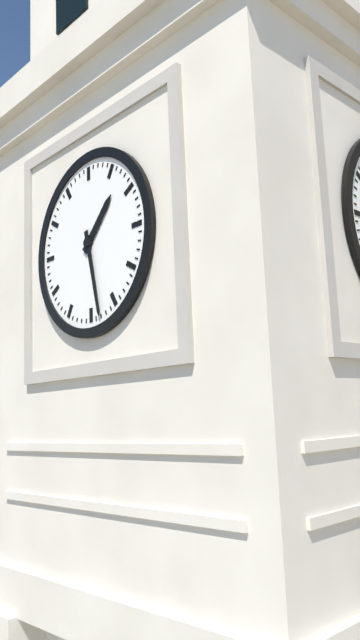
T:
1.28
